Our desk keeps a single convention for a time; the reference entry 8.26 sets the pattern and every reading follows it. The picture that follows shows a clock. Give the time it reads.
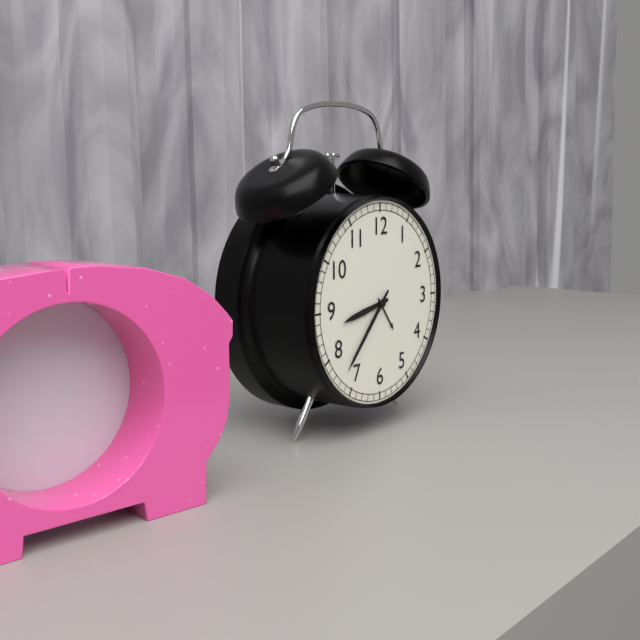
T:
8.37
